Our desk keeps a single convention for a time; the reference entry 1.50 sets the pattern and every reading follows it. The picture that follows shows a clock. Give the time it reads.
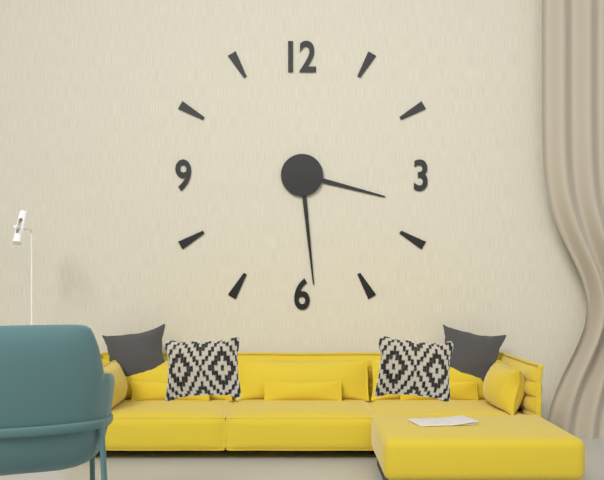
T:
3.29
